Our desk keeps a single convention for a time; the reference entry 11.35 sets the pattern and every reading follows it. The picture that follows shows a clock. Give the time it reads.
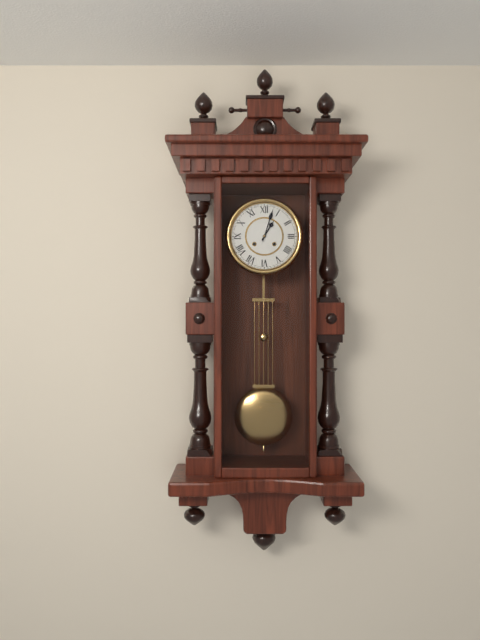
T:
1.03
